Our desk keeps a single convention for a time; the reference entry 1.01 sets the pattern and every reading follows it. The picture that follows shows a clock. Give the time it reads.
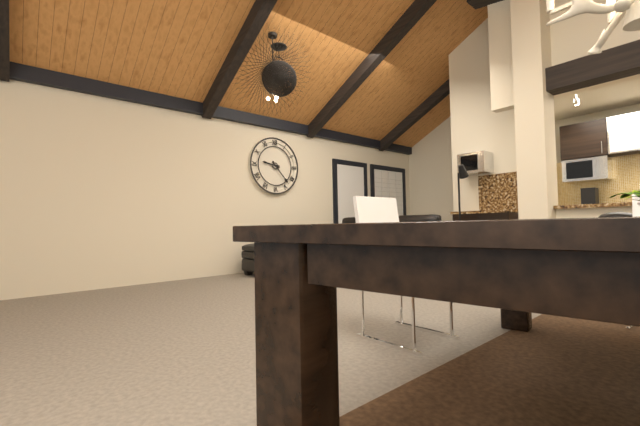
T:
9.23
